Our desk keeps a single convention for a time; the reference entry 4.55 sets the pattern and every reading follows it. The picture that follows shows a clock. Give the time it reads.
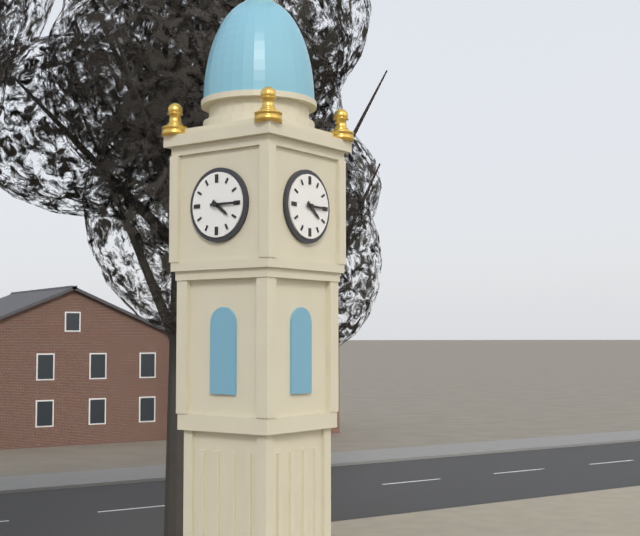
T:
4.15
